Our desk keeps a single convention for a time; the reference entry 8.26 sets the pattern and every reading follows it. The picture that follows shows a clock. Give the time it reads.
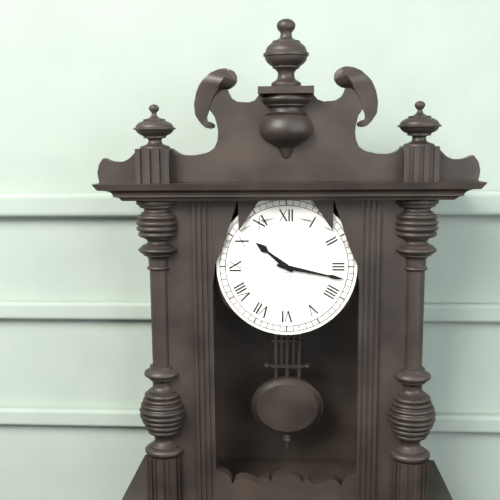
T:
10.17
